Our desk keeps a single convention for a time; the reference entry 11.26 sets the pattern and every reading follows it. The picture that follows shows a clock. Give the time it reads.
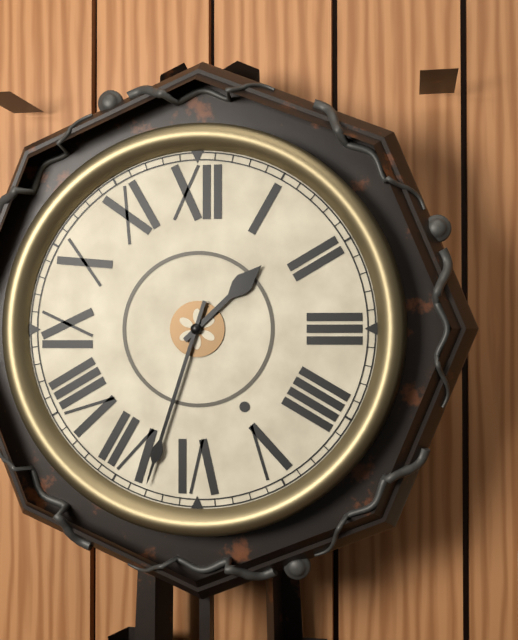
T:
1.33
